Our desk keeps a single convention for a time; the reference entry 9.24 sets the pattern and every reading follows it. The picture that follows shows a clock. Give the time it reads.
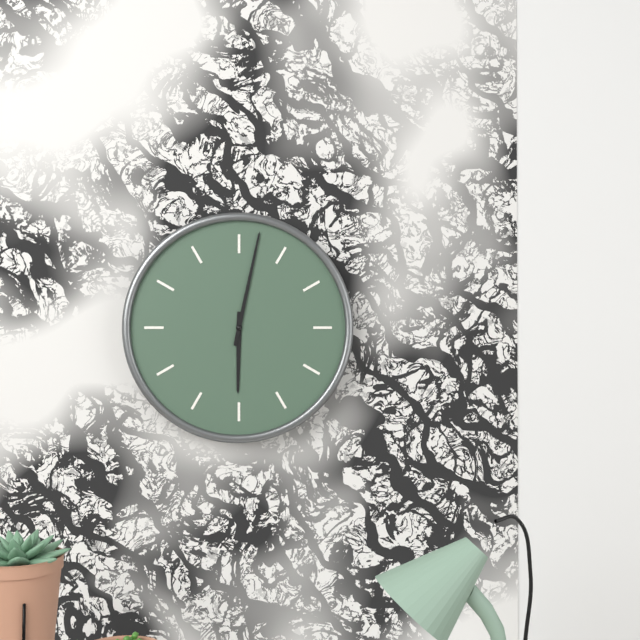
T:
6.02
